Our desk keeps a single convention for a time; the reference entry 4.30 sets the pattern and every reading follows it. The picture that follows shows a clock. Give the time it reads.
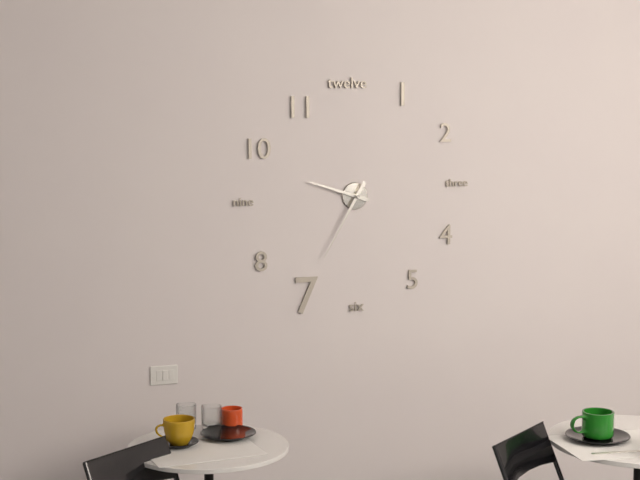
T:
9.35
